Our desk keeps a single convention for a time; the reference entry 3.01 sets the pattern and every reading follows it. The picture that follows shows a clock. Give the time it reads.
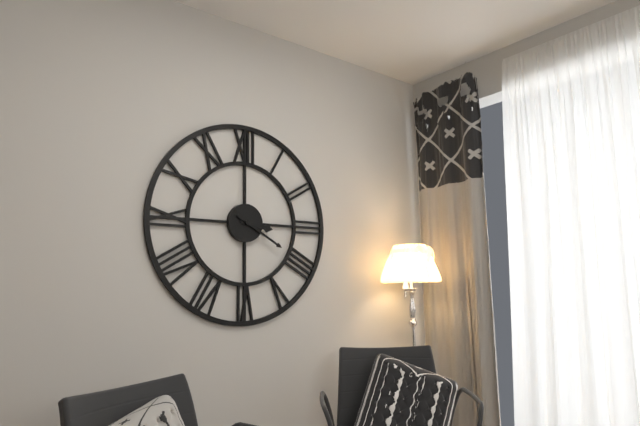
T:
3.20
